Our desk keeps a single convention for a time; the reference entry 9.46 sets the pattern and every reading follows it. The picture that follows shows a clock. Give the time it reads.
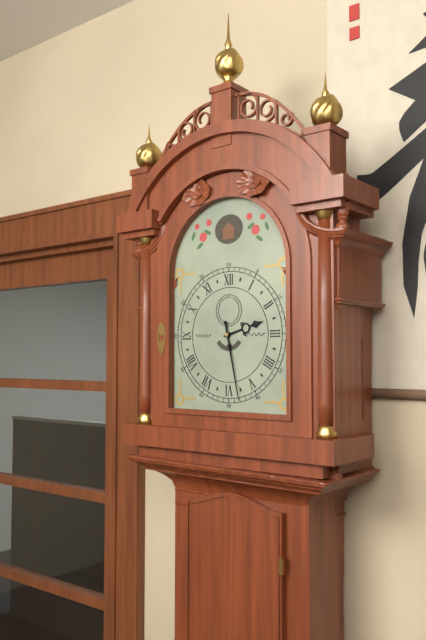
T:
2.28
